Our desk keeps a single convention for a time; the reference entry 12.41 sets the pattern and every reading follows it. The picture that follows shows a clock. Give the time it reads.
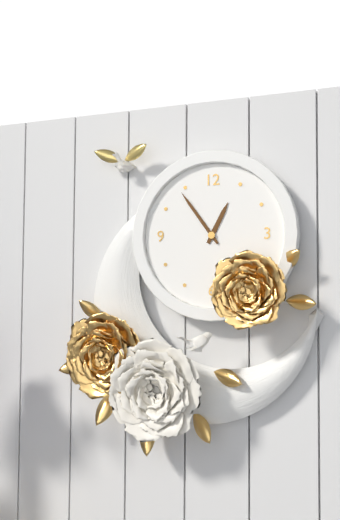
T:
12.54
